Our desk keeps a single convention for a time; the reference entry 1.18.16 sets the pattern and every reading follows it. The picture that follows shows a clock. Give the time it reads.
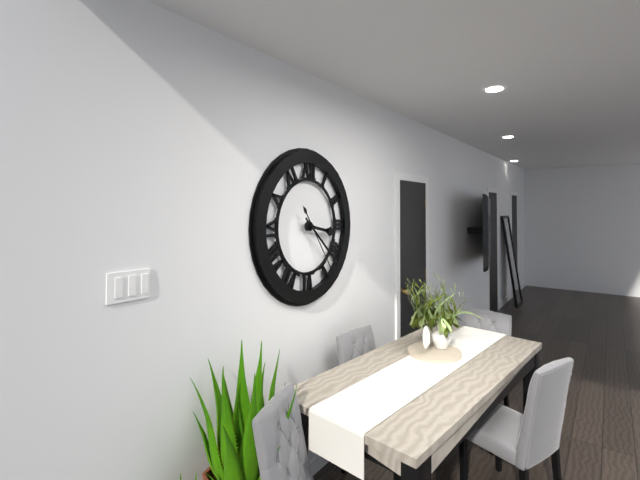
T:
3.22.24
